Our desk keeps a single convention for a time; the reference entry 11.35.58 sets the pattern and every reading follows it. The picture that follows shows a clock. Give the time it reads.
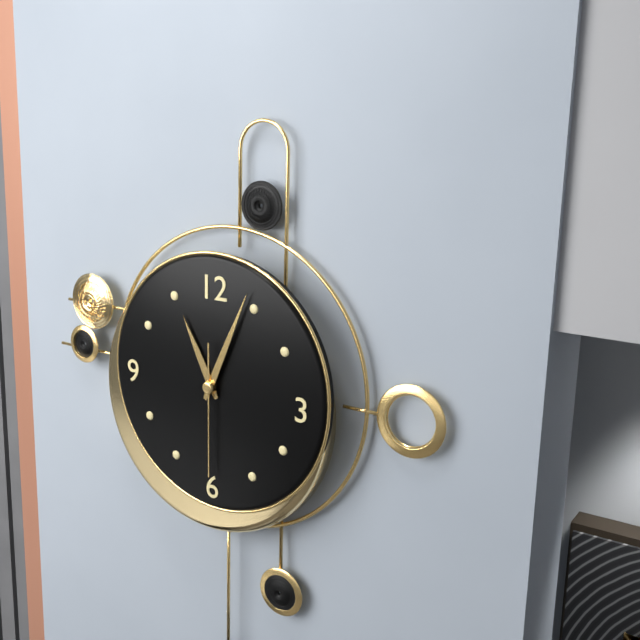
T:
11.04.30
